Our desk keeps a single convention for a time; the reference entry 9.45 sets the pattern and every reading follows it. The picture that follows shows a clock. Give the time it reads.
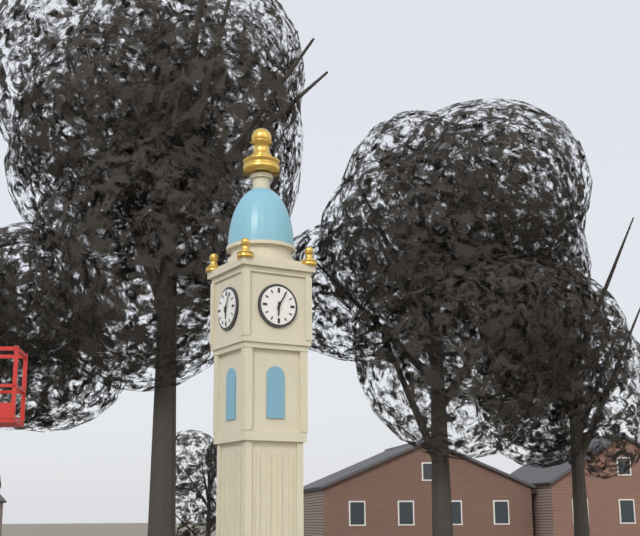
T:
6.05
